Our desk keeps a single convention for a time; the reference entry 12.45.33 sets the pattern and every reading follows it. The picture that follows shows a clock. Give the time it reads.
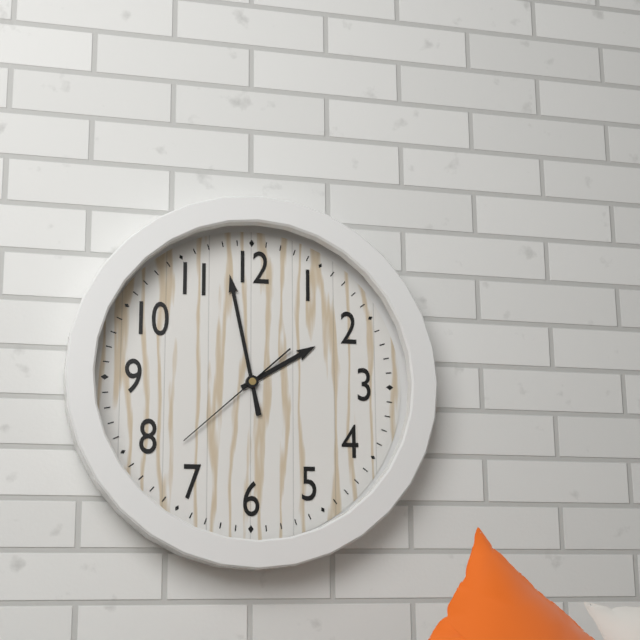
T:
1.58.38
